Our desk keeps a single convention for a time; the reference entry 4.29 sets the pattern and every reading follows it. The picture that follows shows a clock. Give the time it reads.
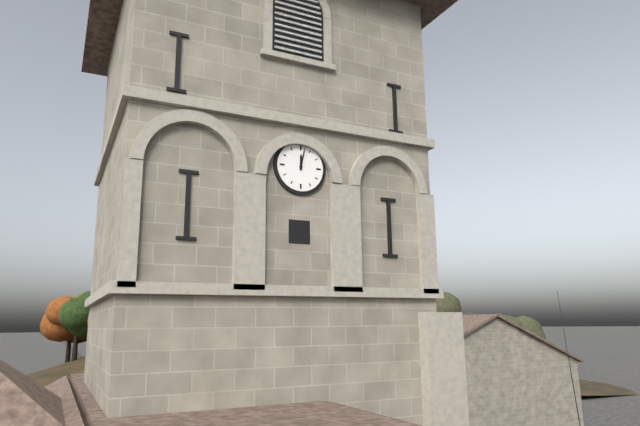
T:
12.02
